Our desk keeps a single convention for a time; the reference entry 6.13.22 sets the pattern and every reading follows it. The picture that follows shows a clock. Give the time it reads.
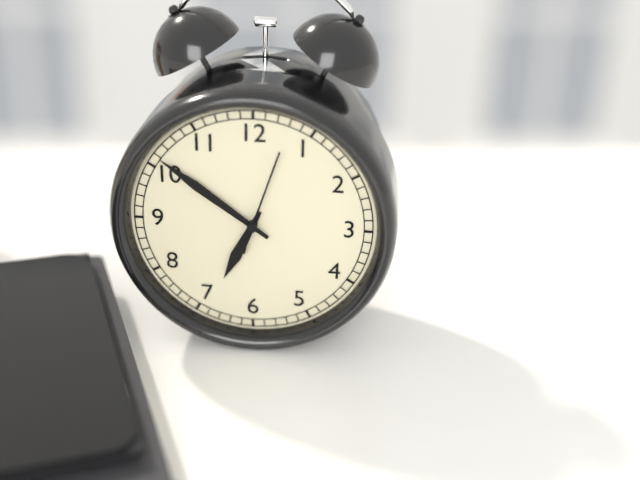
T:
6.51.03
